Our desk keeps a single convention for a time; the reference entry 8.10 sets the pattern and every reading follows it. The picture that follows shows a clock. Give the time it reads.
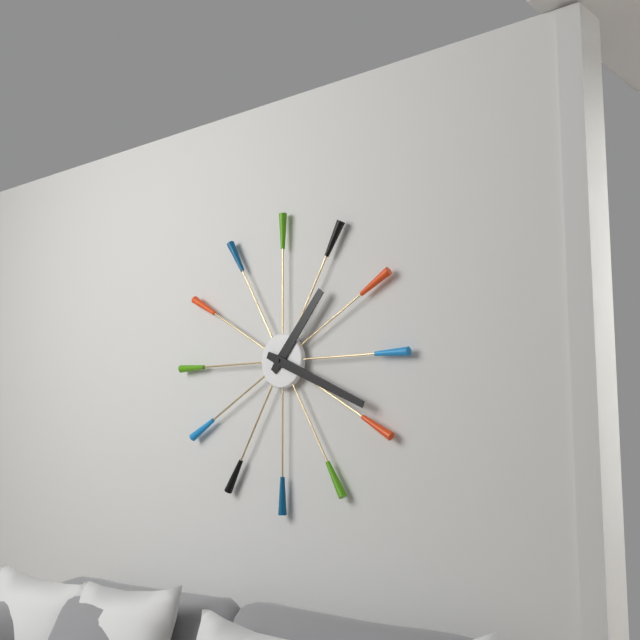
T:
1.19
